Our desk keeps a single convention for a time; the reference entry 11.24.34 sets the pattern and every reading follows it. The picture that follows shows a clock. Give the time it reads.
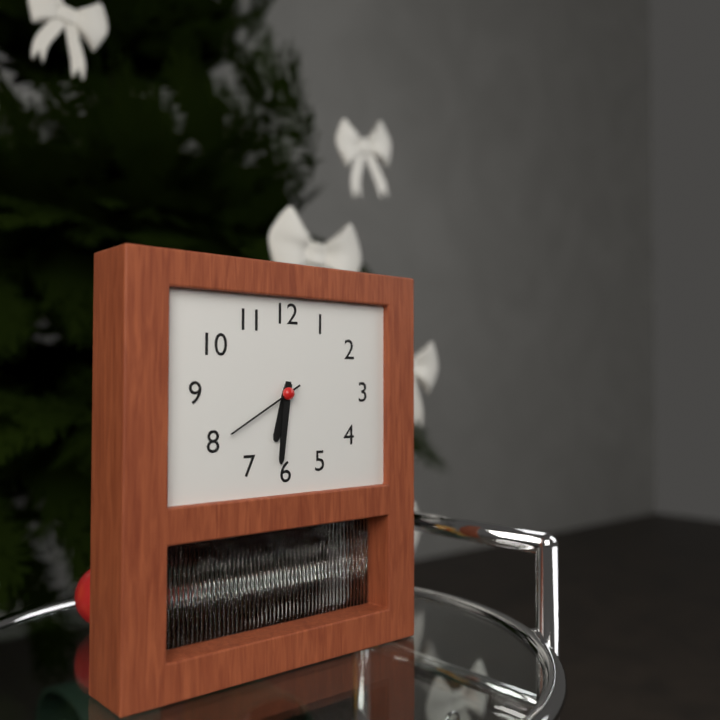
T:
6.31.40
